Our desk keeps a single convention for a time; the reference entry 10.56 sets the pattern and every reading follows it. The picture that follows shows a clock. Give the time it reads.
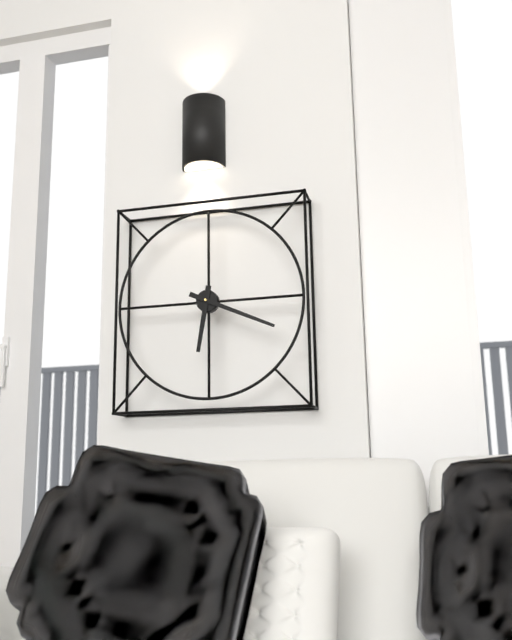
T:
6.19
